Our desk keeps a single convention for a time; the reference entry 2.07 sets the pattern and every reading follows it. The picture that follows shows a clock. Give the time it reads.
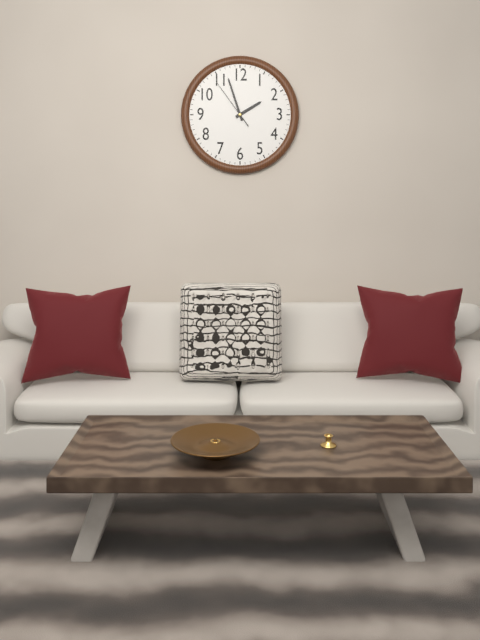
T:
1.57
